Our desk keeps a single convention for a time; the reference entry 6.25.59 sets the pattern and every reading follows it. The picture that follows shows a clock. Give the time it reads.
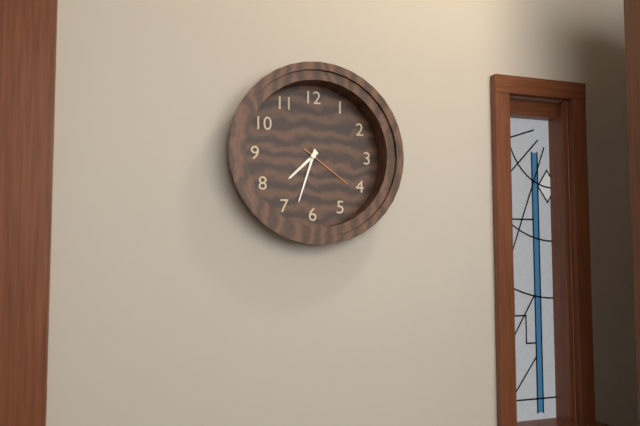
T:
7.33.21
